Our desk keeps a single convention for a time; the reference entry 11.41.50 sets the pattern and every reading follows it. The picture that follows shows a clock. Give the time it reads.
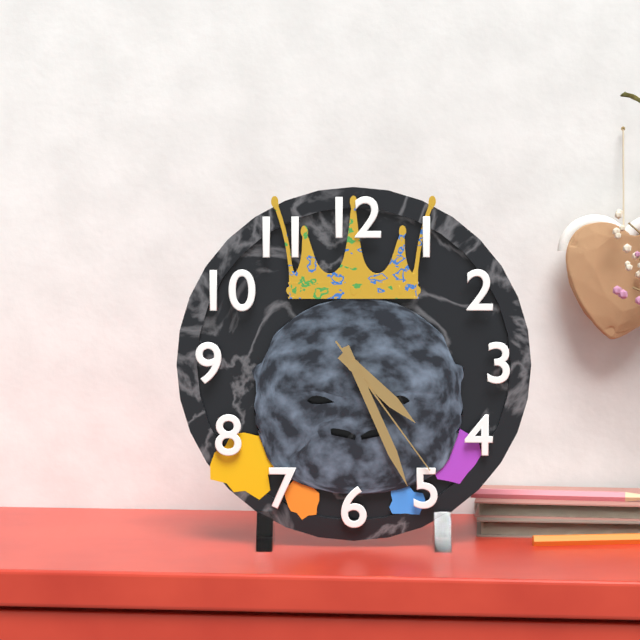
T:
4.26.24
